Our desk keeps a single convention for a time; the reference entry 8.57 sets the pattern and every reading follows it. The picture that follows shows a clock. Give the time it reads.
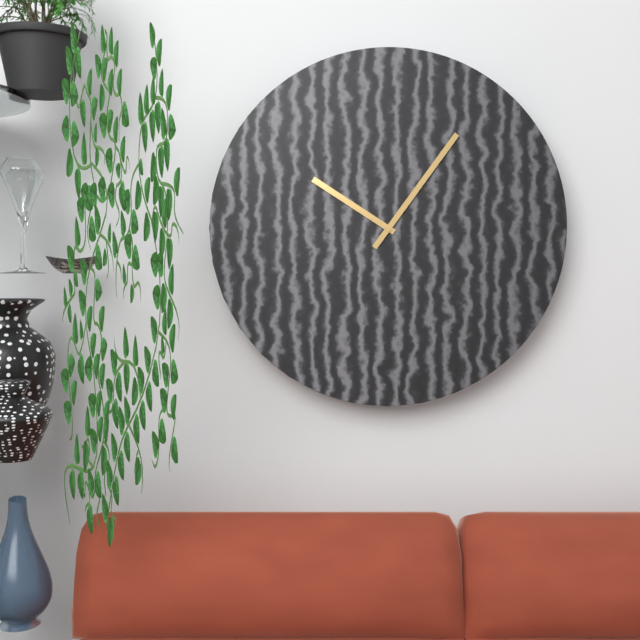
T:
10.06
